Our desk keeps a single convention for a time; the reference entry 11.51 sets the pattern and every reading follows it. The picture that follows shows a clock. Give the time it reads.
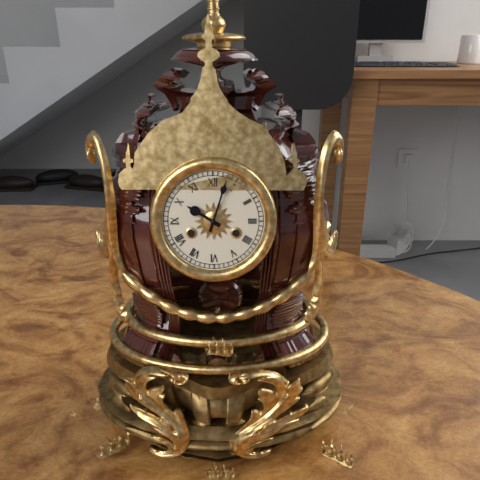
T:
10.03
